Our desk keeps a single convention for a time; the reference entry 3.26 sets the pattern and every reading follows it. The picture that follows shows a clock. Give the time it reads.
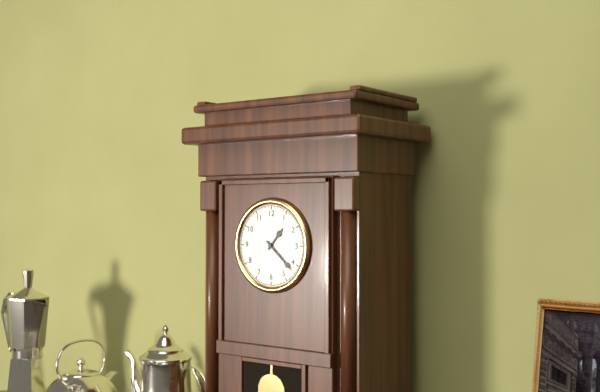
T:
1.22
